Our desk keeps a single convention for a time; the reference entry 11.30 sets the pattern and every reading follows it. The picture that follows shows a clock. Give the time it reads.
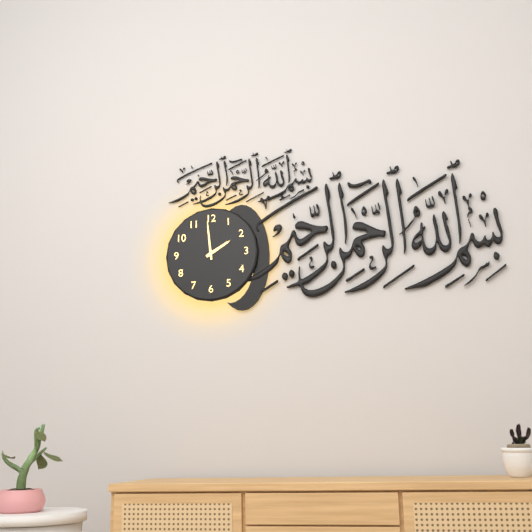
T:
1.59
